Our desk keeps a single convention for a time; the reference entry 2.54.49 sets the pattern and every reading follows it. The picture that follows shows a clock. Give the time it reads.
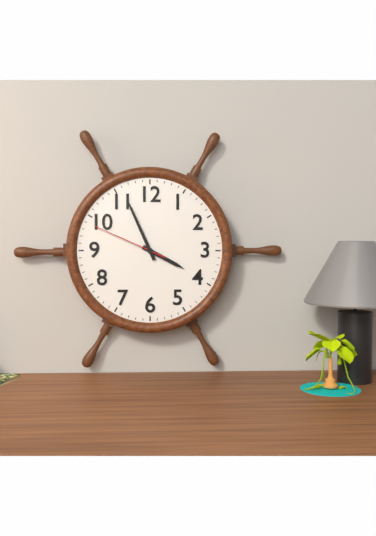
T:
3.56.49
